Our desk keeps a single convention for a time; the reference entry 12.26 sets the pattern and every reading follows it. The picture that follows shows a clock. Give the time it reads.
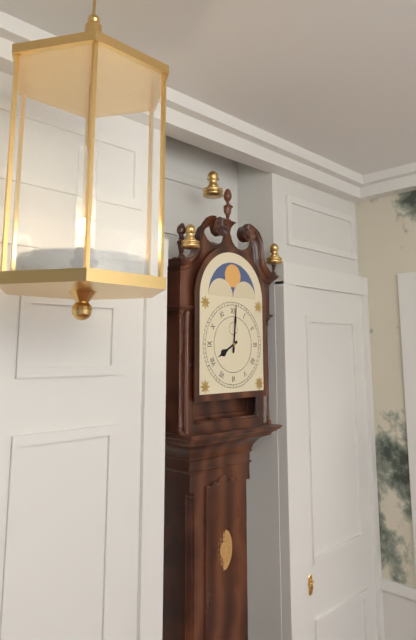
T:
8.01
